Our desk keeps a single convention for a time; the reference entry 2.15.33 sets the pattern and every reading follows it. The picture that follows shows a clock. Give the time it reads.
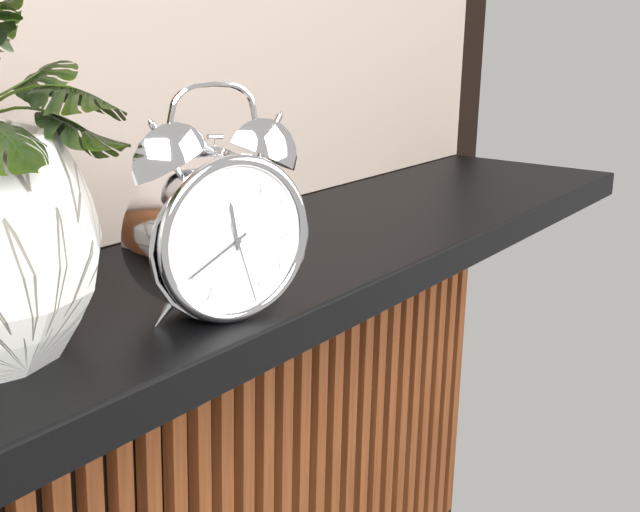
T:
11.40.27
